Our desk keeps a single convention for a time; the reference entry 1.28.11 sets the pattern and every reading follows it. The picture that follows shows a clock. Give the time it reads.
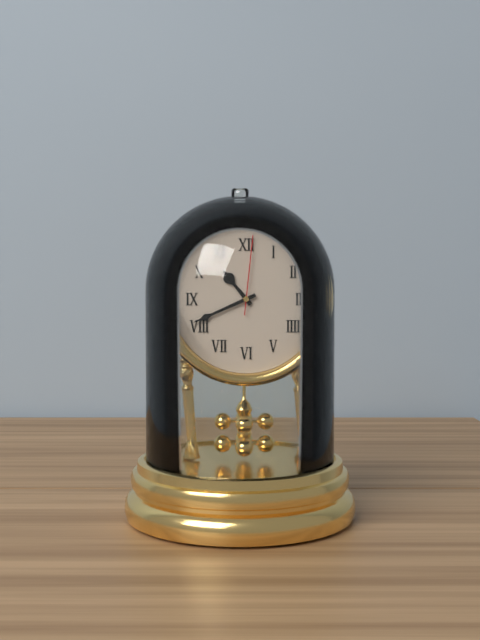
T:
10.41.01
